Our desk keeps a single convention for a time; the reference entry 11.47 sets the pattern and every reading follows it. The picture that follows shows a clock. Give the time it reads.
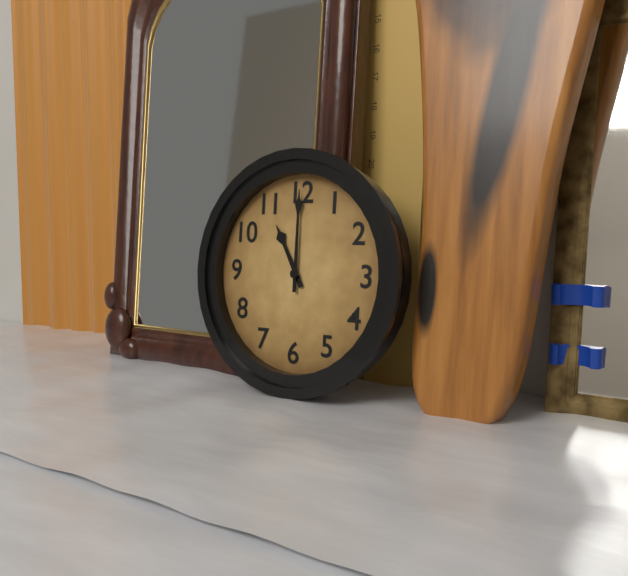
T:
11.00
